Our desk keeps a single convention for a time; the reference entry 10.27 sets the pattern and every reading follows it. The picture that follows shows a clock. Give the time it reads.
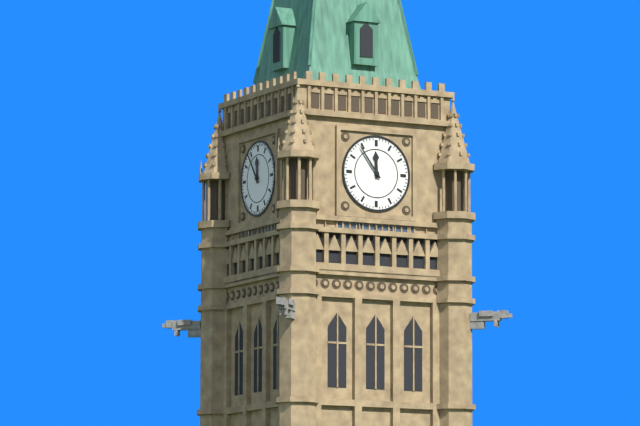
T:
11.54
